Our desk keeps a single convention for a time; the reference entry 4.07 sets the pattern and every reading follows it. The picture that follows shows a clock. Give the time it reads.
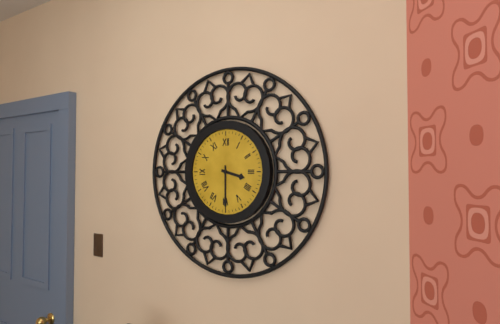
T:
3.30
